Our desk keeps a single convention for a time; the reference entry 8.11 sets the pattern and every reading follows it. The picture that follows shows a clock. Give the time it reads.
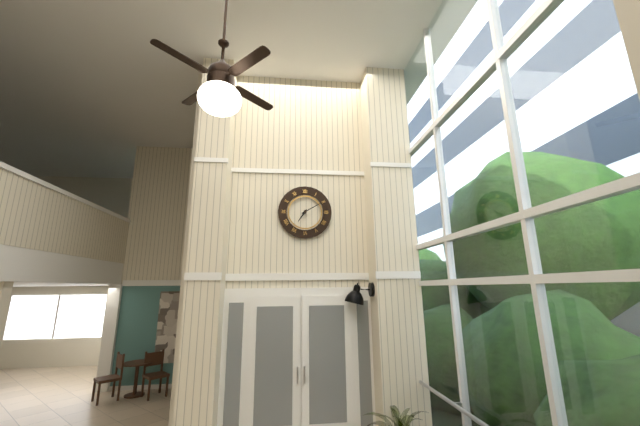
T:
7.10
